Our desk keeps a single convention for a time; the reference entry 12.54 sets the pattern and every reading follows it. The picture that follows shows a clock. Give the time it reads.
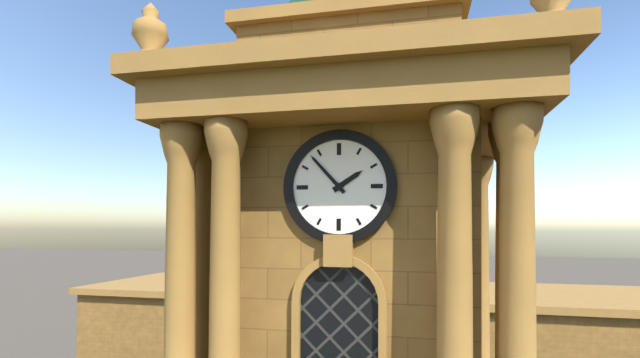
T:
1.53
